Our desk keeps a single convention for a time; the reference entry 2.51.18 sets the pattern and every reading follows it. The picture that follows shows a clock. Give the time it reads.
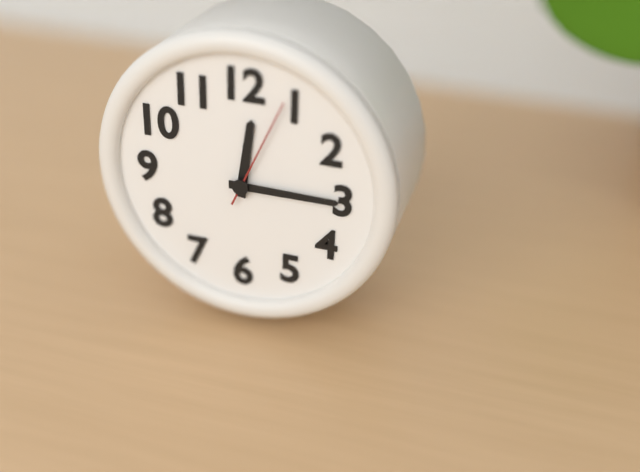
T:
12.15.04
